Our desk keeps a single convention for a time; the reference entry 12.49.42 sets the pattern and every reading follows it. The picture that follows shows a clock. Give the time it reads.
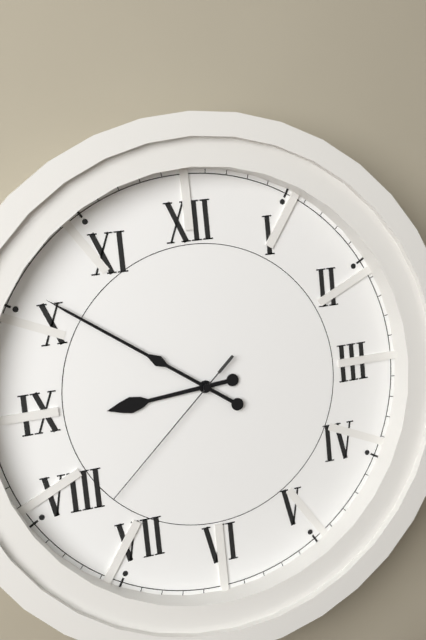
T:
8.51.38
